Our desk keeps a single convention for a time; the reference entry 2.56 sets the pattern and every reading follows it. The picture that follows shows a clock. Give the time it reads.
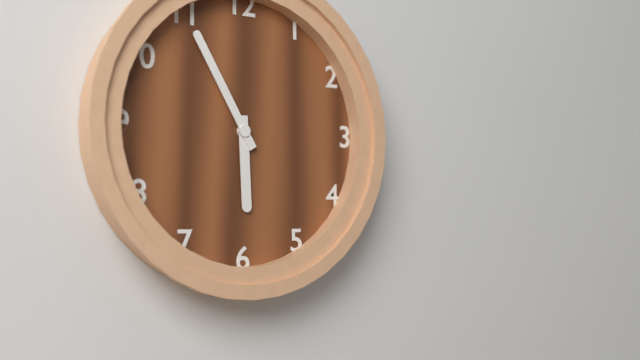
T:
5.55
